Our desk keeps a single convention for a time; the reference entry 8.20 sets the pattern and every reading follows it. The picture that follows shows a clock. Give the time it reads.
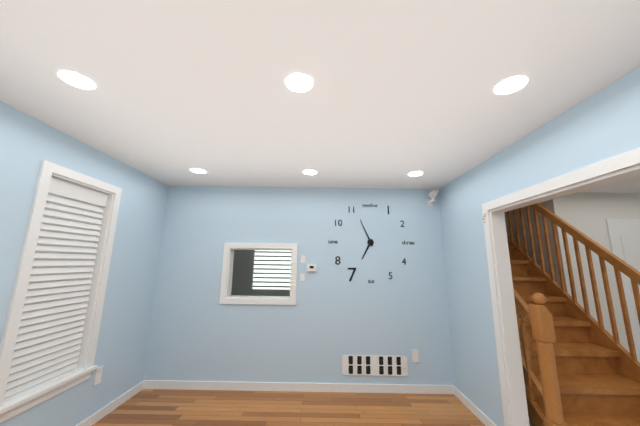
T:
6.56
